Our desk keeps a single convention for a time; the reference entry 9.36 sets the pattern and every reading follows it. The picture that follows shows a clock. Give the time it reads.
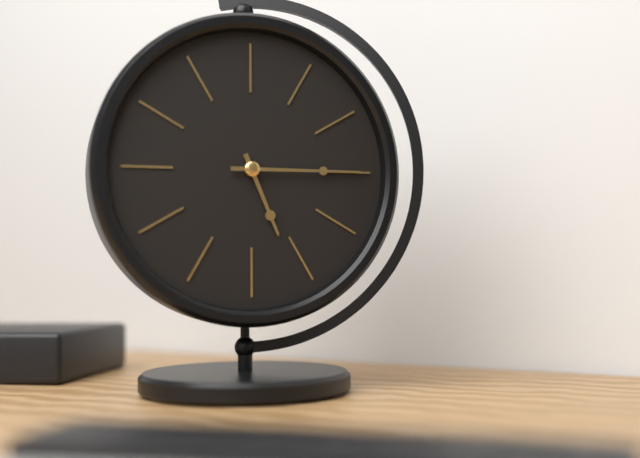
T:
5.15
